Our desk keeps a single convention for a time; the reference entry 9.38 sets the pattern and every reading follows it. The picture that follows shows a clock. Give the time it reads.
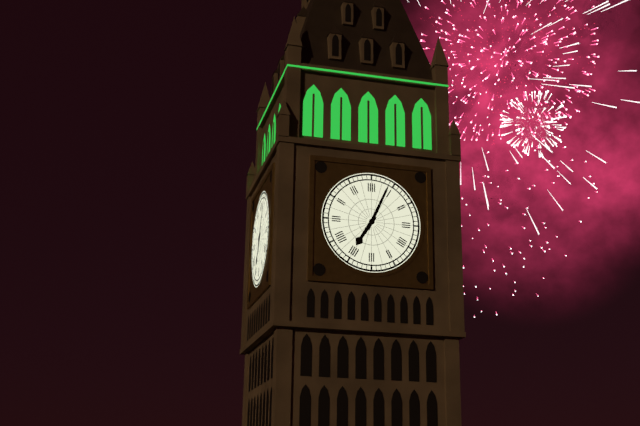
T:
7.04
